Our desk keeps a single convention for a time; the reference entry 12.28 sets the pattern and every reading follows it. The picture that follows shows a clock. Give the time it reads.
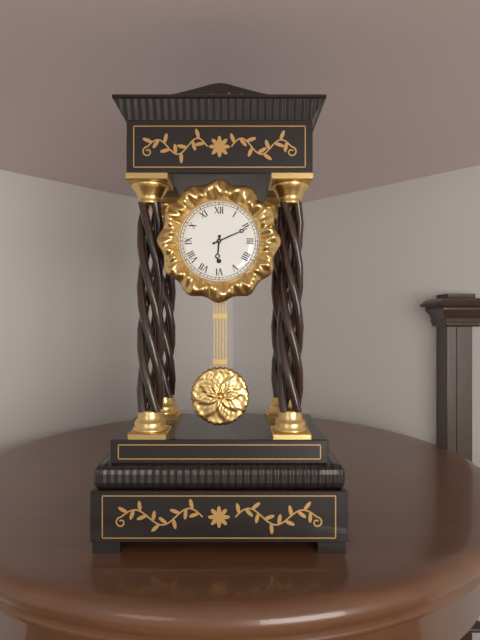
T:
6.11
